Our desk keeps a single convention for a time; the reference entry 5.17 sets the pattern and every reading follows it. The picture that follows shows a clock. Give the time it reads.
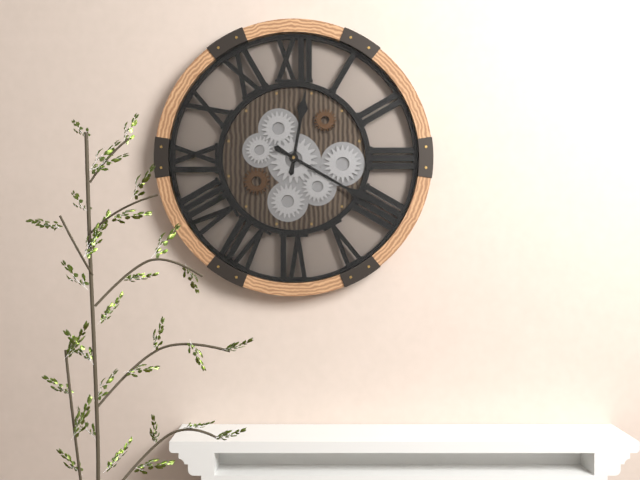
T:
12.20
